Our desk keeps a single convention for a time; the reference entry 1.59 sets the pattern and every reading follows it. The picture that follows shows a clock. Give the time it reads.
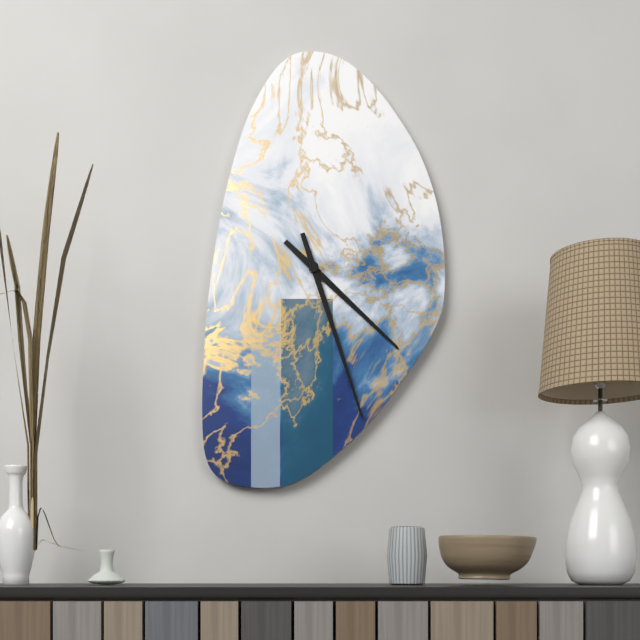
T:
4.27
